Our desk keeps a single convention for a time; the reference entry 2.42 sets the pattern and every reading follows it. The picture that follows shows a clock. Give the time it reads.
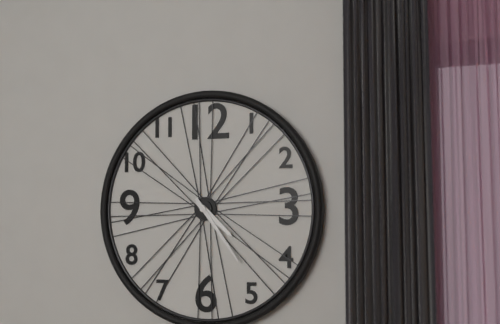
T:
4.24
